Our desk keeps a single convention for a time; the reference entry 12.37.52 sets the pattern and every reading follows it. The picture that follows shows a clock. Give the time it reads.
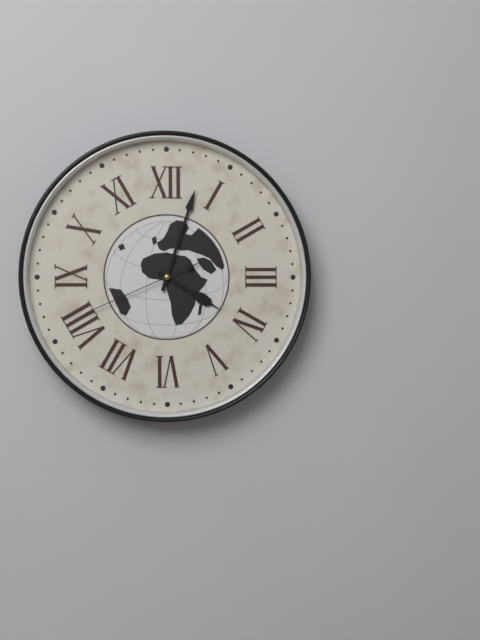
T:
4.03.41
